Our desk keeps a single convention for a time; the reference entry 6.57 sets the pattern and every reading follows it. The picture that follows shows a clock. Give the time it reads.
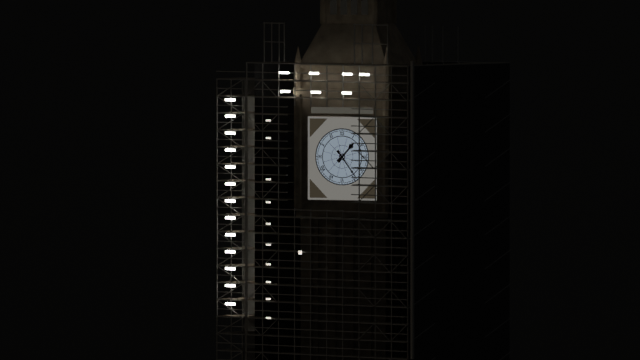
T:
1.24
